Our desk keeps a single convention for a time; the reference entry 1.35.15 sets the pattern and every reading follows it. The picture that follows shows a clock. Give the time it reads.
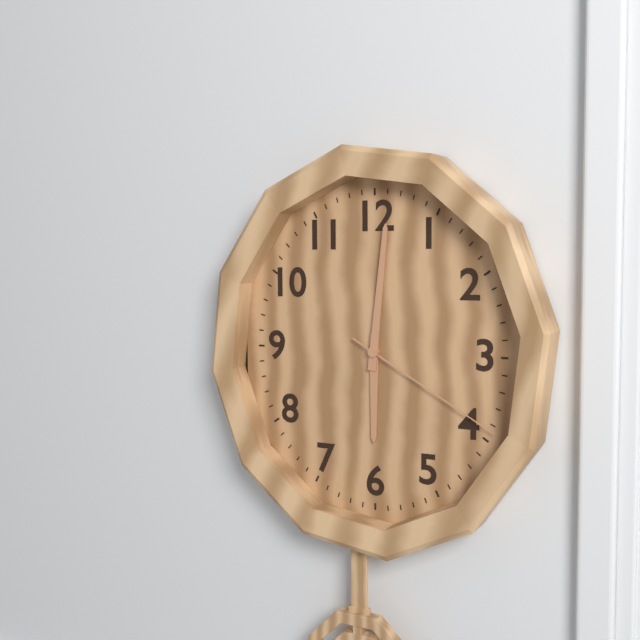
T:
6.01.20
